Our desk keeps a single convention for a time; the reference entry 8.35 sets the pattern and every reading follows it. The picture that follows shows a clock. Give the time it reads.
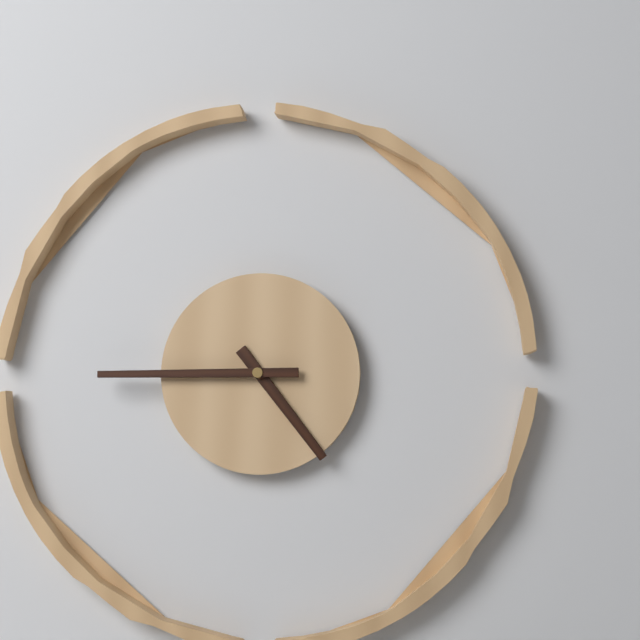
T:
4.45
